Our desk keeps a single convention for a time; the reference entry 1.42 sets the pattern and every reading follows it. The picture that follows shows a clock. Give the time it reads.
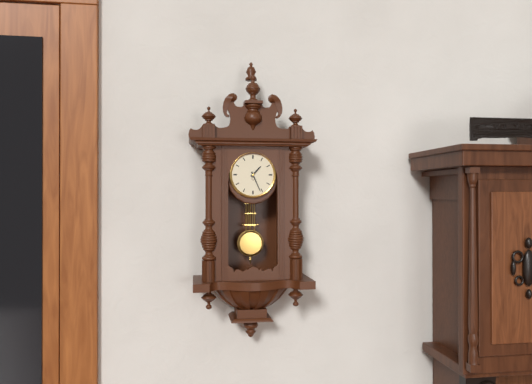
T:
1.26
